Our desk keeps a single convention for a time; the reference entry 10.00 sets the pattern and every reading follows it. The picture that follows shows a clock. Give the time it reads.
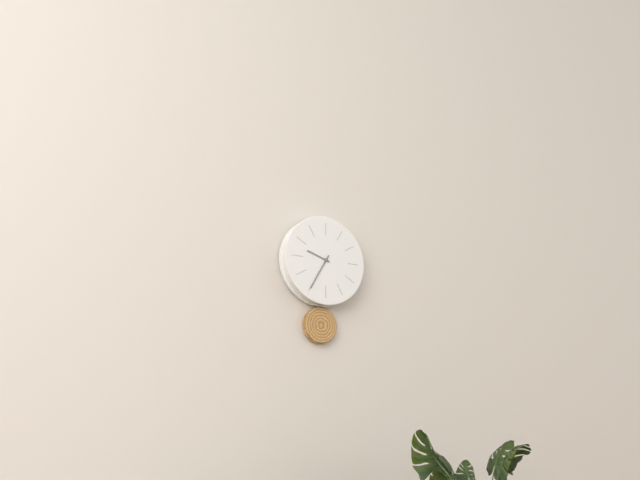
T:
9.35
